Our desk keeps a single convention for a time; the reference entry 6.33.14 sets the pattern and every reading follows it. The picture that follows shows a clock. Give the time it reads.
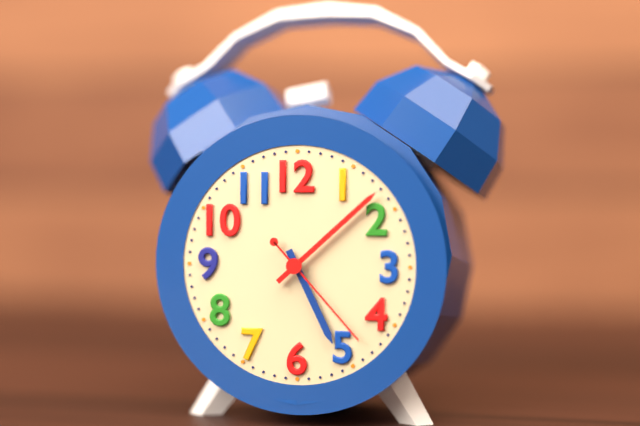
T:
5.08.23
